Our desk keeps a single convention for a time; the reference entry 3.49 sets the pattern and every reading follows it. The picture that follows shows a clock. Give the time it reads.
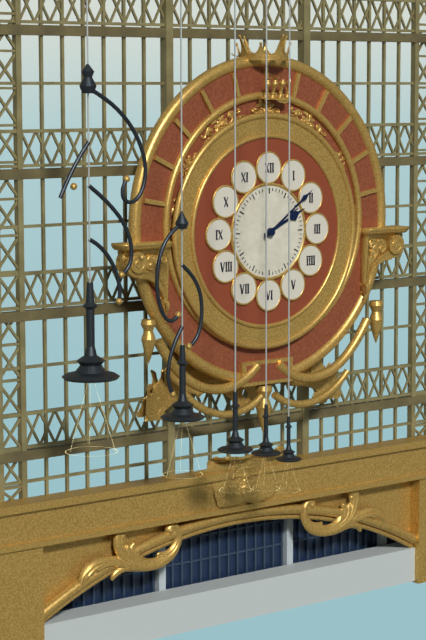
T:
2.09
